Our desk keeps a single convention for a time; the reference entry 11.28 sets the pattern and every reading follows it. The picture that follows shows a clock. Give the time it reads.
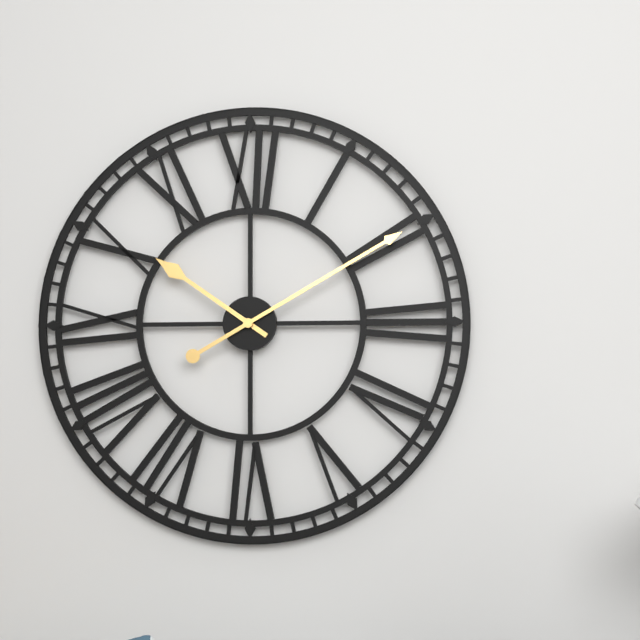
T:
10.10
